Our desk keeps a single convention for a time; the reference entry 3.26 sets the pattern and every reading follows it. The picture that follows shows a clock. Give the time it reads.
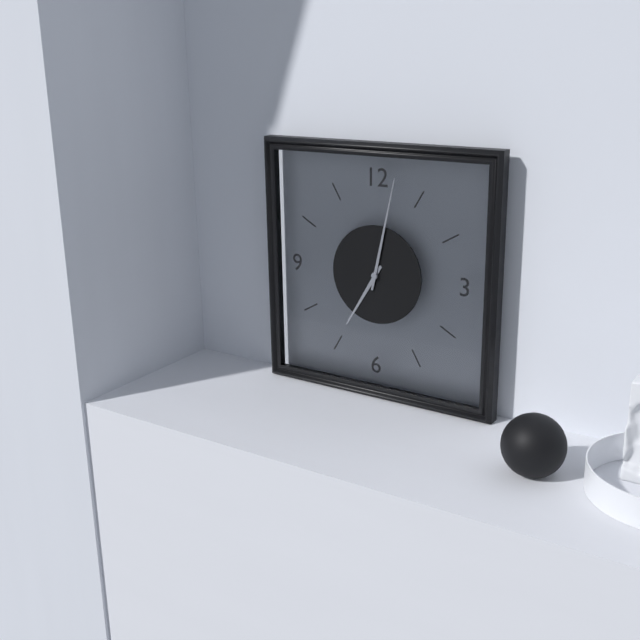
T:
7.02
